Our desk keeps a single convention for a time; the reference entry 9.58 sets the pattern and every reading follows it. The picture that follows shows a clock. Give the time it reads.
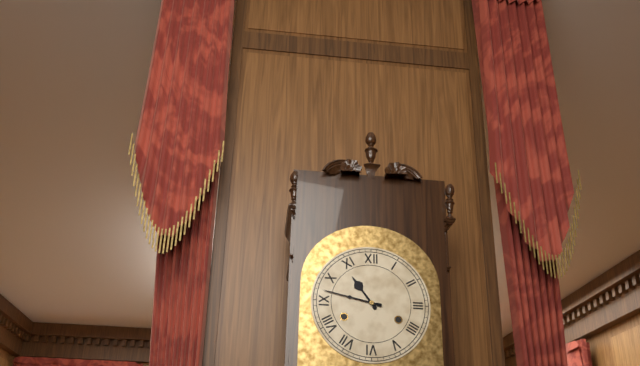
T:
10.47
